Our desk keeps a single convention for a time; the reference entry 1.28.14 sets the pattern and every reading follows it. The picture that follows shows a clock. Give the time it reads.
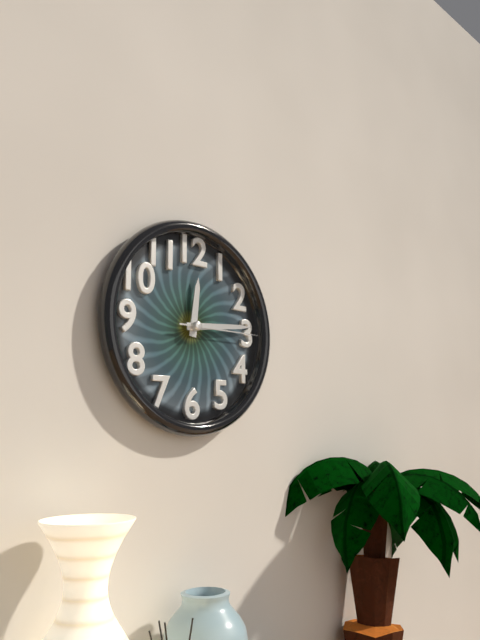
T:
12.14.15
